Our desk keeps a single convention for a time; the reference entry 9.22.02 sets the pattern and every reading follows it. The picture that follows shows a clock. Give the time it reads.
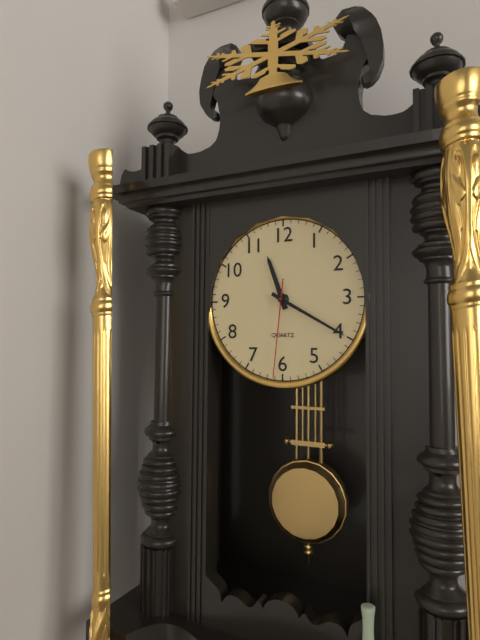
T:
11.20.31
